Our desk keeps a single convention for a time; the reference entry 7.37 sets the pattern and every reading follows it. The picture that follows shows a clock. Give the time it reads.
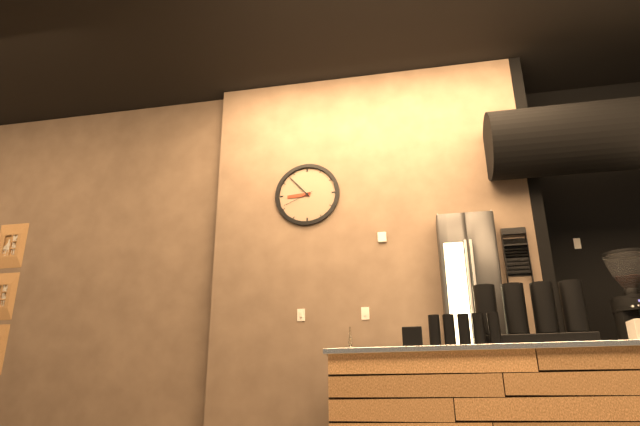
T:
8.53
